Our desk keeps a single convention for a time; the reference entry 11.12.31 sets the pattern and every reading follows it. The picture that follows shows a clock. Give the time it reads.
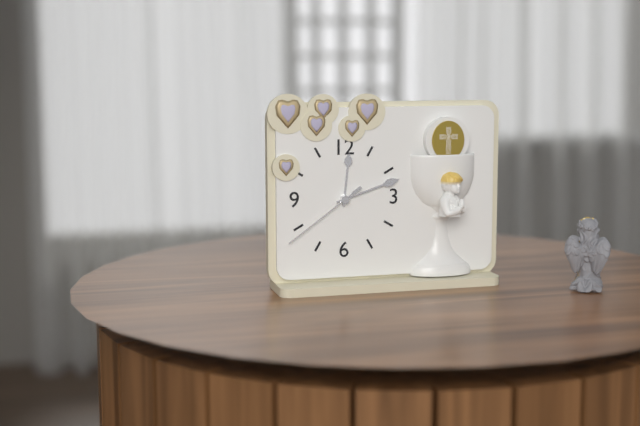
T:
12.12.39
